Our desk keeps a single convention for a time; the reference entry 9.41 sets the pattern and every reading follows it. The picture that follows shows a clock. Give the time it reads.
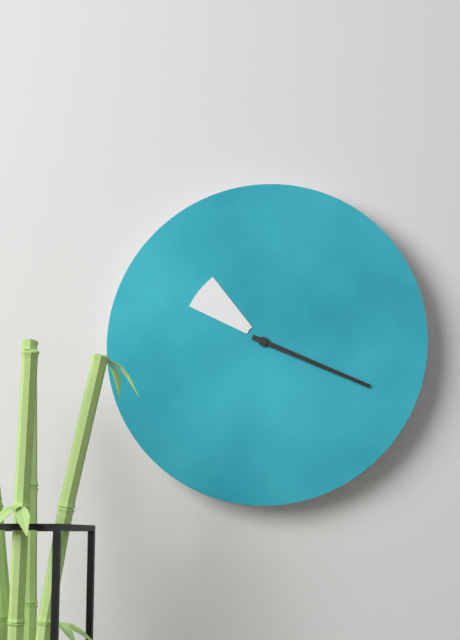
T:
10.19
